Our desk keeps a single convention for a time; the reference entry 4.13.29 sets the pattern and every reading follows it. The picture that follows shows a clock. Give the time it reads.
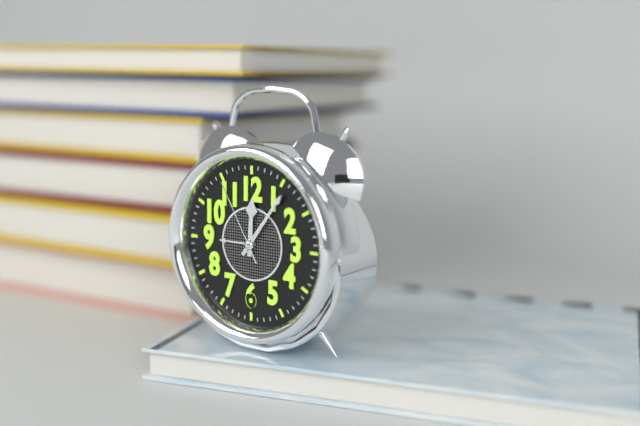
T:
12.06.55
